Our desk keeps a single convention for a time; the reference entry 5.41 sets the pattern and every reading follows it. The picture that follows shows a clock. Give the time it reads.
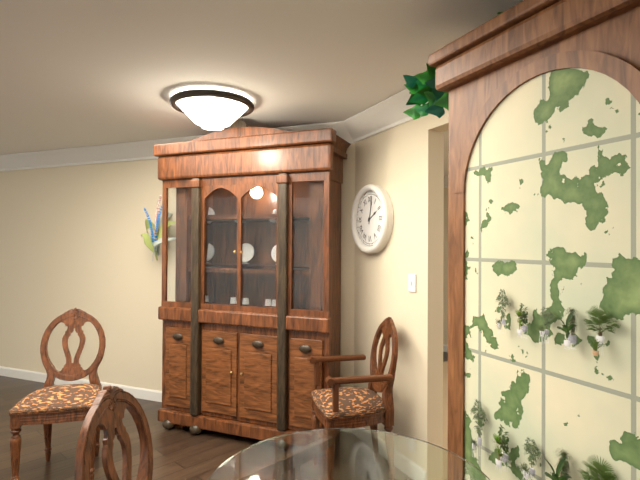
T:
2.02
